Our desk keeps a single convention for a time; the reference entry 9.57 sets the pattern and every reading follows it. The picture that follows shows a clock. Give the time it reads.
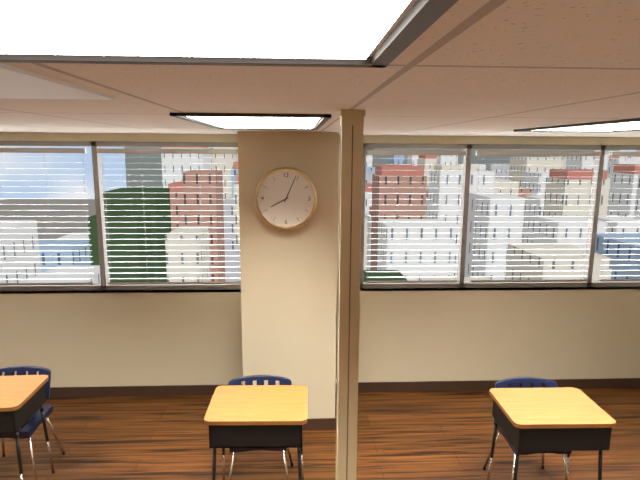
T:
8.04
